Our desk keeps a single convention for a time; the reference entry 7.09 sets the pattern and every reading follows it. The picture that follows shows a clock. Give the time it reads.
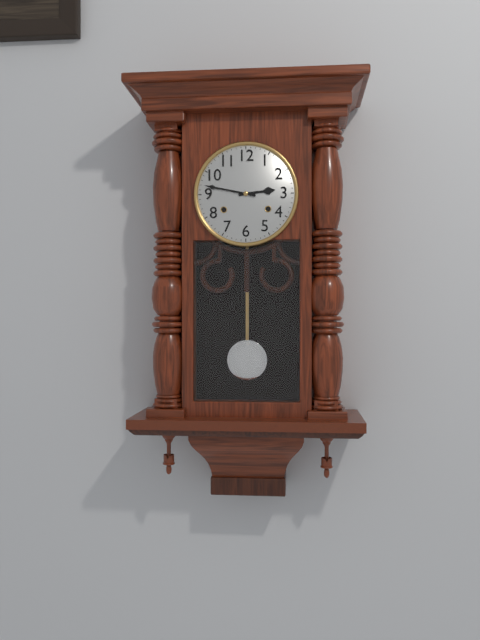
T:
2.47
